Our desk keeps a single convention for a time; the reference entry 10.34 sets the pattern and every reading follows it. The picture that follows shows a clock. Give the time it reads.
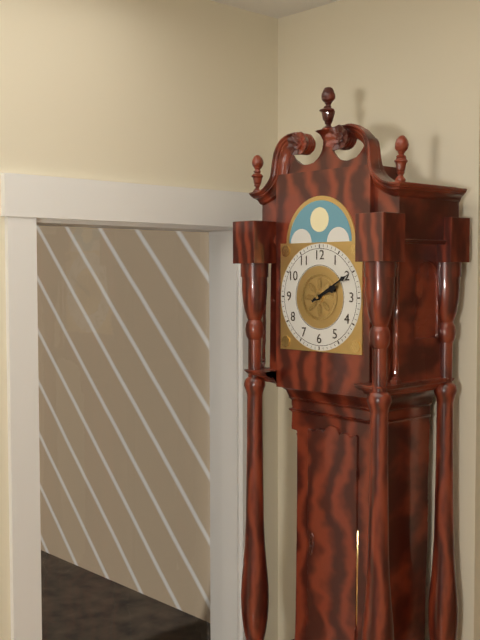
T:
2.10
